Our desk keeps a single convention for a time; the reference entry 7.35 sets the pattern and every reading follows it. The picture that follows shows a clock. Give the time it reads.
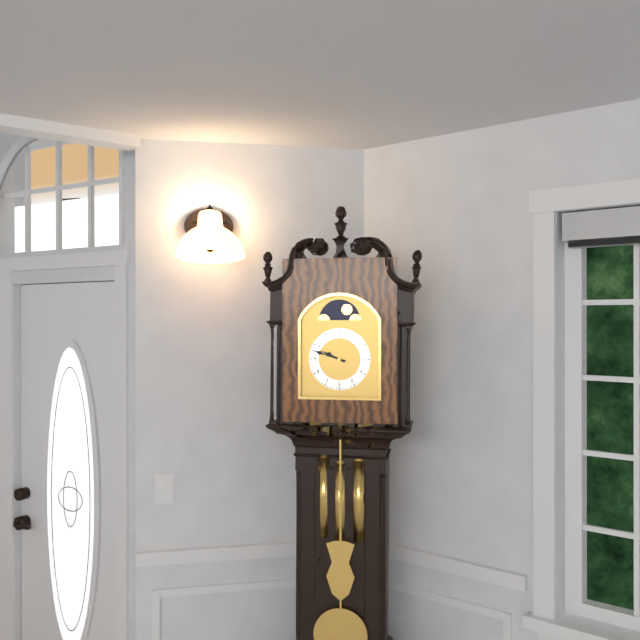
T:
9.48
